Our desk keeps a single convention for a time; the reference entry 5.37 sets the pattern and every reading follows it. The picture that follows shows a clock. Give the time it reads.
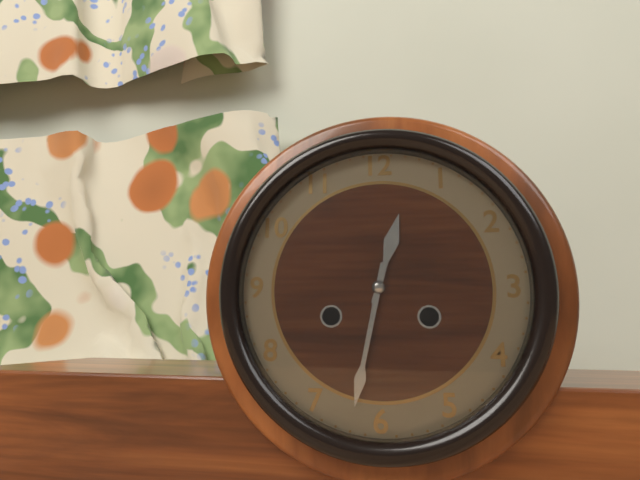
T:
12.32
